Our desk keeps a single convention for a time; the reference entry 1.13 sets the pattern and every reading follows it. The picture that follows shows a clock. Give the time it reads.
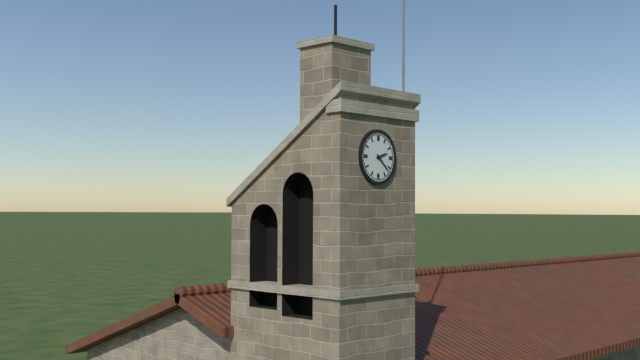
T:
2.22
